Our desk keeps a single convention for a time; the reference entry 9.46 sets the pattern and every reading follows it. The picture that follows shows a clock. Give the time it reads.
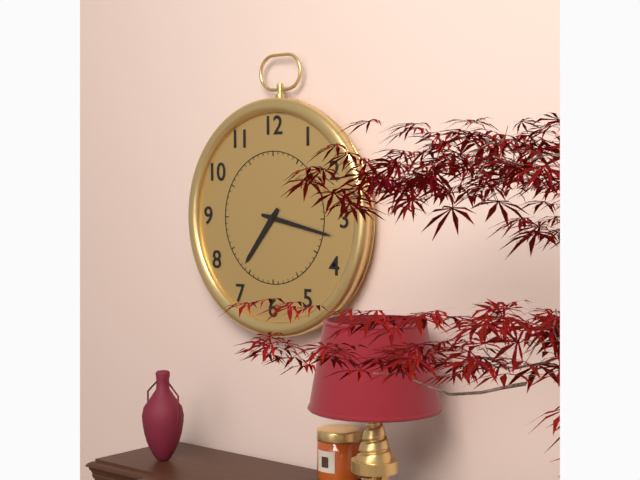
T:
7.17
